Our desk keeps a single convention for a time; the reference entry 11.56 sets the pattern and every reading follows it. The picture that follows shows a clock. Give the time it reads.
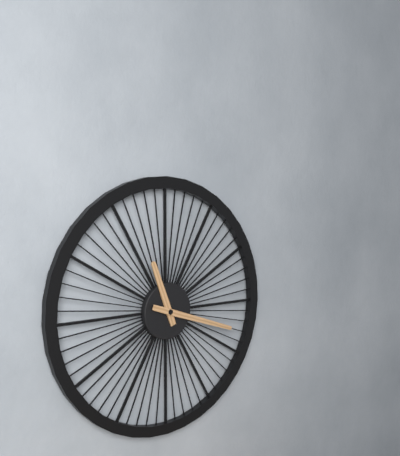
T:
11.18
